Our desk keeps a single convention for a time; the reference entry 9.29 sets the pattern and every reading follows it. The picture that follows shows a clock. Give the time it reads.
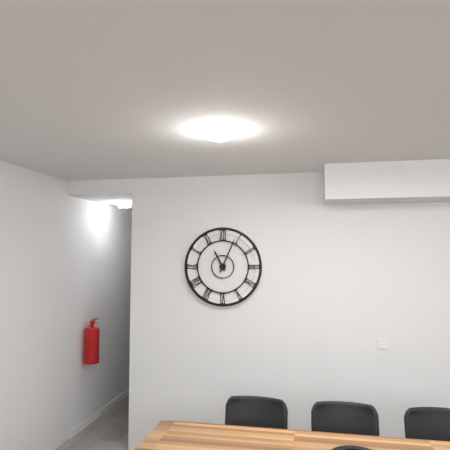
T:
11.04
